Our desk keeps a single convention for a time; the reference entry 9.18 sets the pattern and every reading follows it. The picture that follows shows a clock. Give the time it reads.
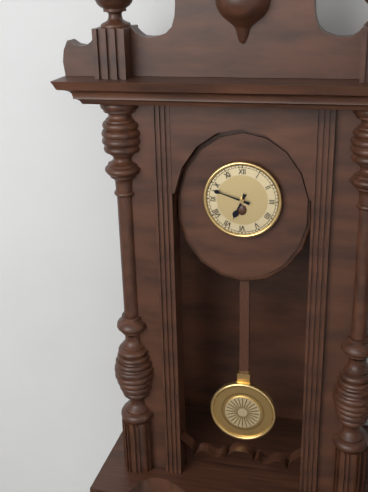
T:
6.48
